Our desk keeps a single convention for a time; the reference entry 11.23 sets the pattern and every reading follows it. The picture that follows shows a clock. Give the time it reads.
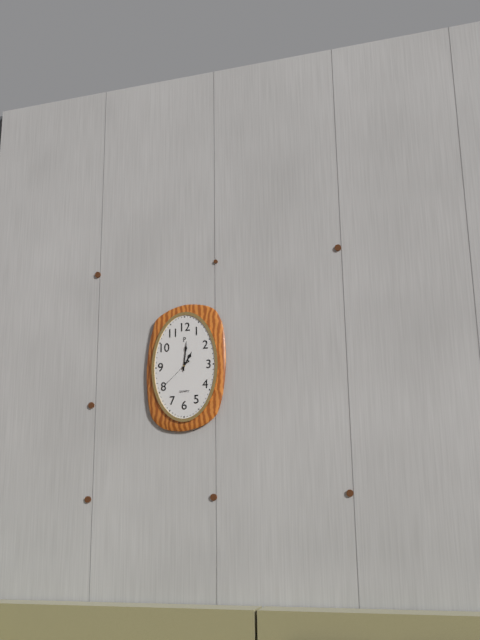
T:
1.01
